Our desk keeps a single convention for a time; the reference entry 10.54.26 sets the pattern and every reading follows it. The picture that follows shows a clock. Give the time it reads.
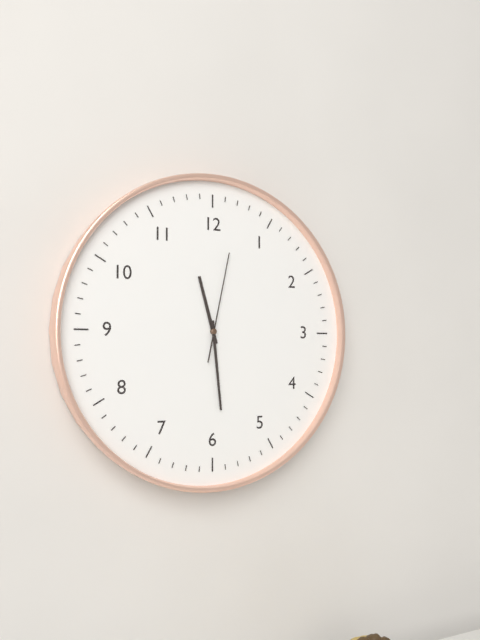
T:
11.29.02
